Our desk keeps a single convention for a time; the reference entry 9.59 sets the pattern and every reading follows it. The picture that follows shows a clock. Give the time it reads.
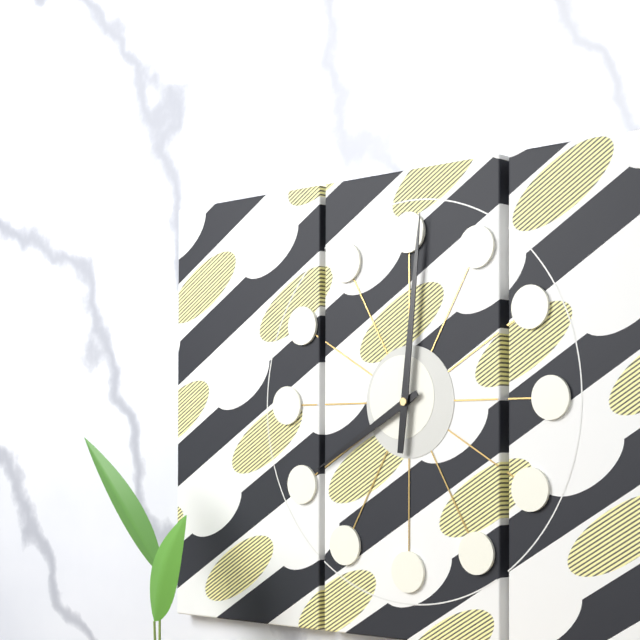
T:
8.01
